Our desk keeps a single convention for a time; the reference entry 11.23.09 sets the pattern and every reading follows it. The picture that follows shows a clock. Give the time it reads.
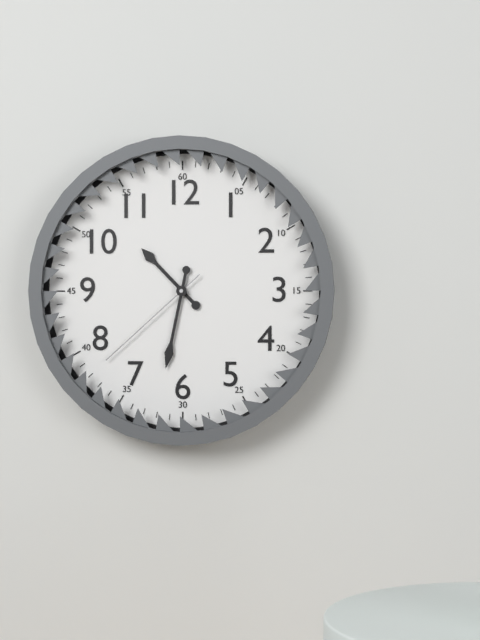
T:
10.32.38
